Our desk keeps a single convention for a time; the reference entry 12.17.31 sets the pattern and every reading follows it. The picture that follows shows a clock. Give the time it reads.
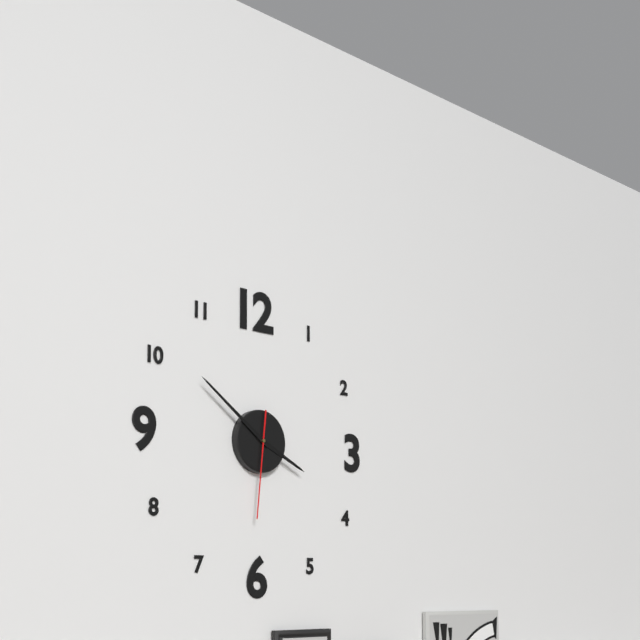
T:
3.51.31
